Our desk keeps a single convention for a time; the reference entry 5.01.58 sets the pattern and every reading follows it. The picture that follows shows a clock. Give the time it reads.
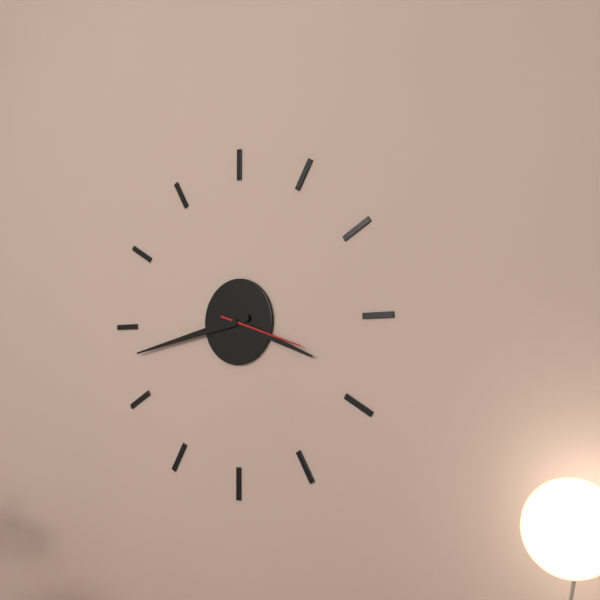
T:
3.43.18
